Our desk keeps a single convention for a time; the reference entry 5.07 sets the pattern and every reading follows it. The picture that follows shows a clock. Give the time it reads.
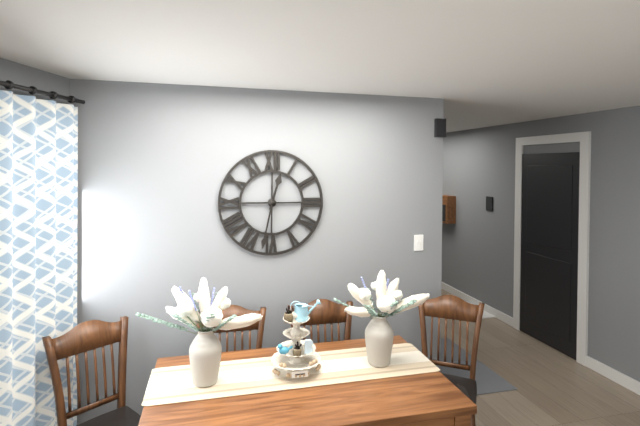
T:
12.32
